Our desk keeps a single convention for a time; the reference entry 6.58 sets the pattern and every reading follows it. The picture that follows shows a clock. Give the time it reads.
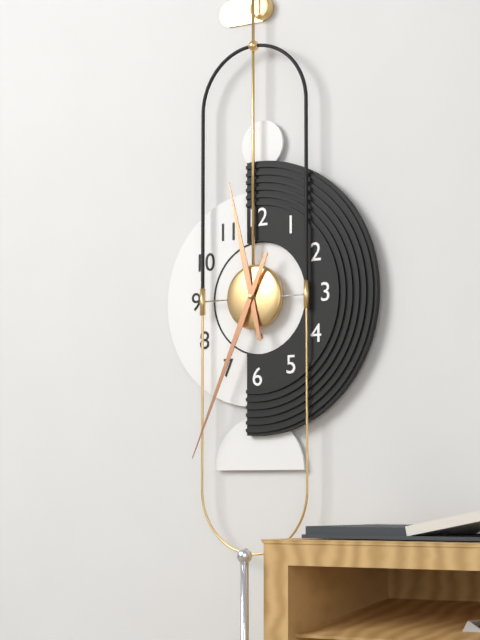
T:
11.34
